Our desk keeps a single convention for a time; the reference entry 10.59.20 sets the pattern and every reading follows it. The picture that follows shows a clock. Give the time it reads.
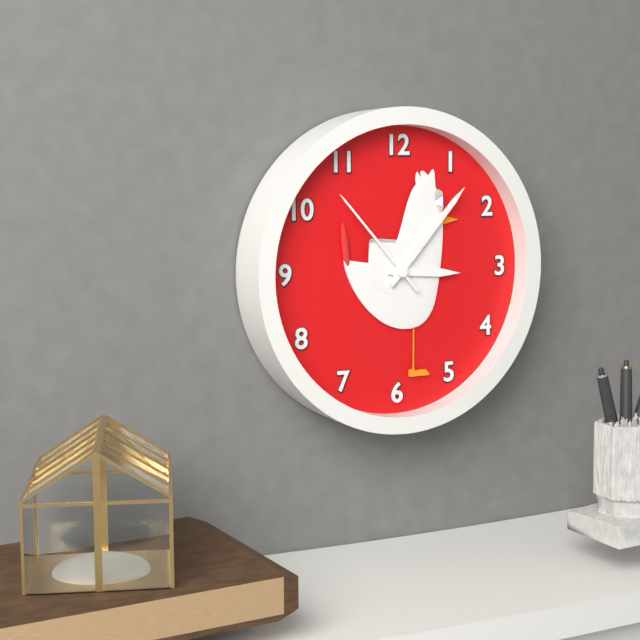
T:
3.07.53
